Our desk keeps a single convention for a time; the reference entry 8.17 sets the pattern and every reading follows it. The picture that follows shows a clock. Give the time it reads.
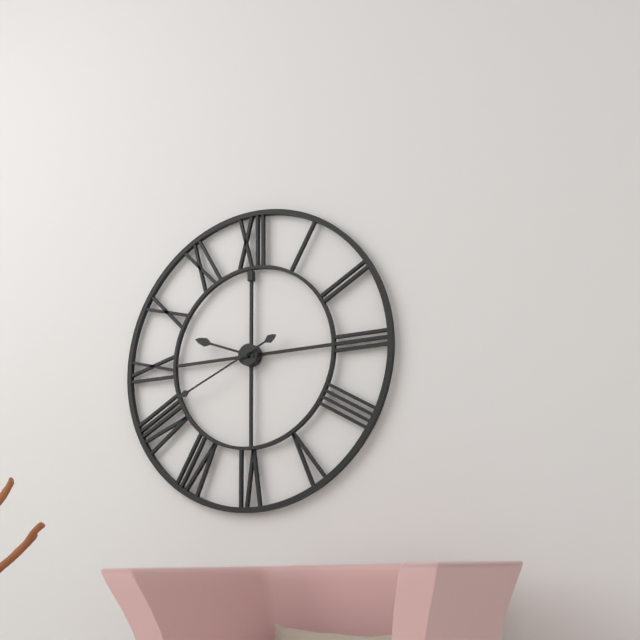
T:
9.41
